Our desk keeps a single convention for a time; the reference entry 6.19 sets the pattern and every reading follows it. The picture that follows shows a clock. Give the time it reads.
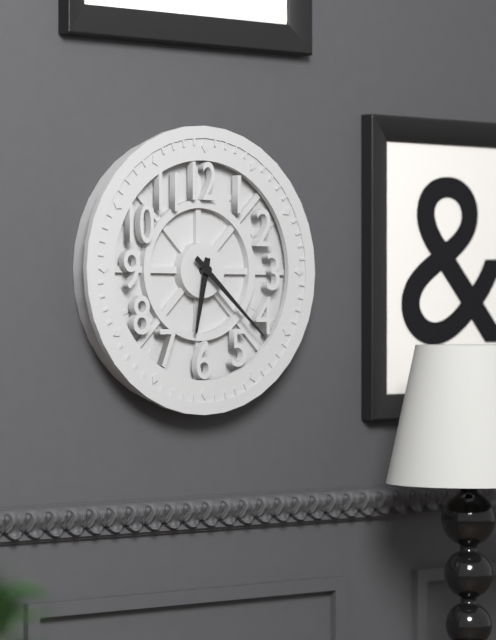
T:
6.22
